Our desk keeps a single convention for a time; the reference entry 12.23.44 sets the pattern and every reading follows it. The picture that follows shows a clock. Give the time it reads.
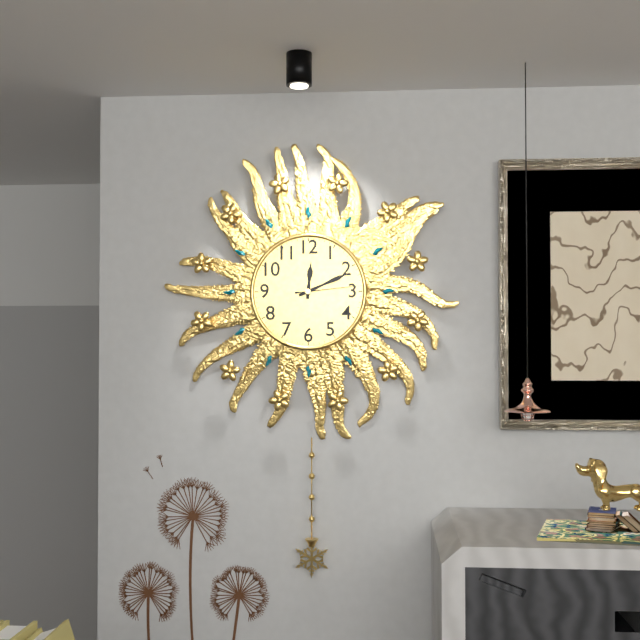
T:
12.11.14
